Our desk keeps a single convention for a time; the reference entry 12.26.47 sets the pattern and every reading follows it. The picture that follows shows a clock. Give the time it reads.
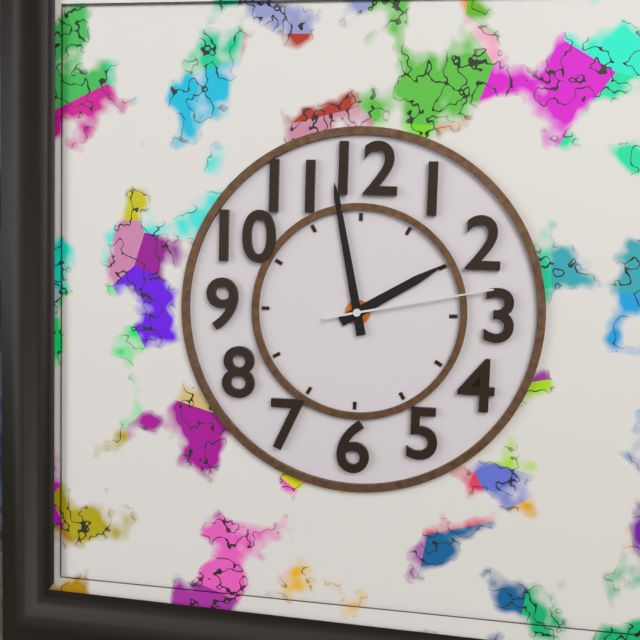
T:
1.58.13
